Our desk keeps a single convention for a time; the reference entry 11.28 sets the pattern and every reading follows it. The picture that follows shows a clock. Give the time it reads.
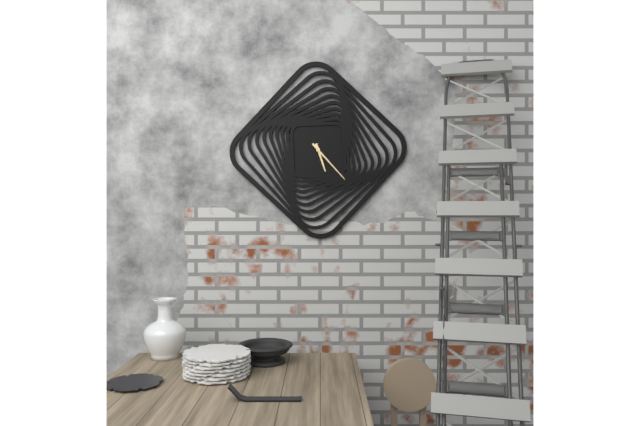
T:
5.23
